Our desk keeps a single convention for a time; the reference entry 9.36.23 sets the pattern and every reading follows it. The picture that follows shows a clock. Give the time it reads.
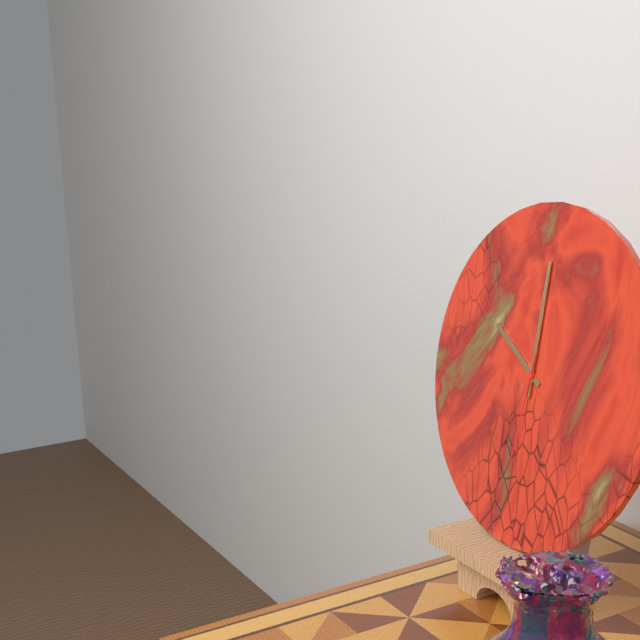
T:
10.00.31
